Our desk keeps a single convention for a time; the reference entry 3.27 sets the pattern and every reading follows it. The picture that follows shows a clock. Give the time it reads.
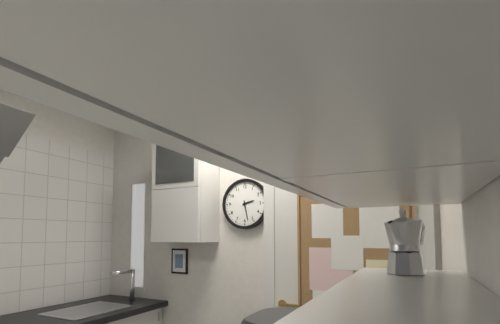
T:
2.28
